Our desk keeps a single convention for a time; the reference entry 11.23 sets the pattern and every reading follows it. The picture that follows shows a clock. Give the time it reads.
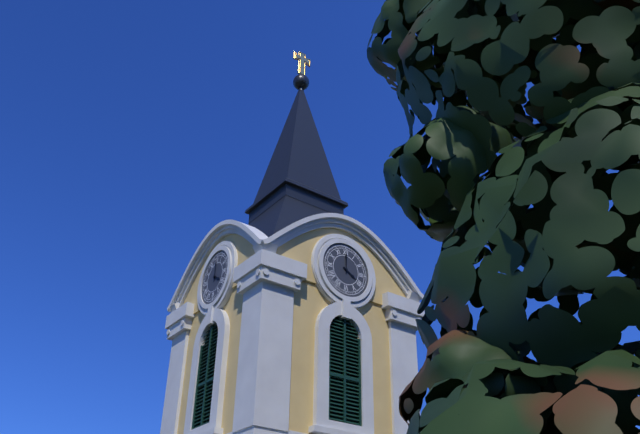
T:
4.00
